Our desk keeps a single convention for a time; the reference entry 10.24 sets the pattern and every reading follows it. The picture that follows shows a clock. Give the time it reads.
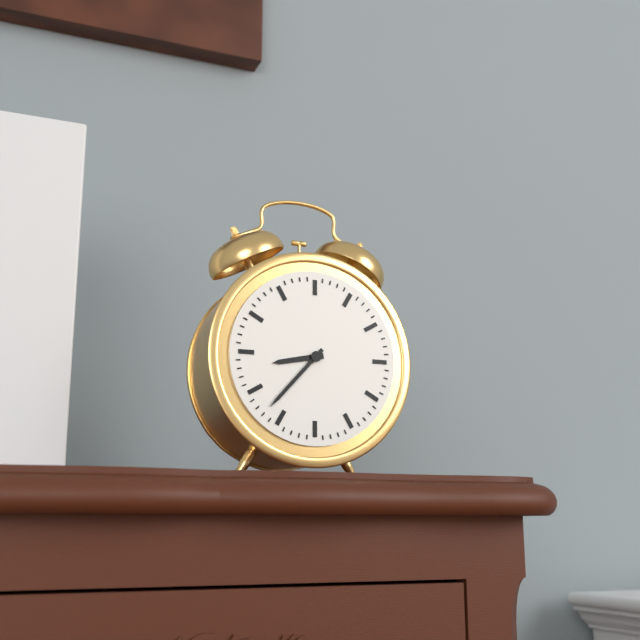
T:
8.37
